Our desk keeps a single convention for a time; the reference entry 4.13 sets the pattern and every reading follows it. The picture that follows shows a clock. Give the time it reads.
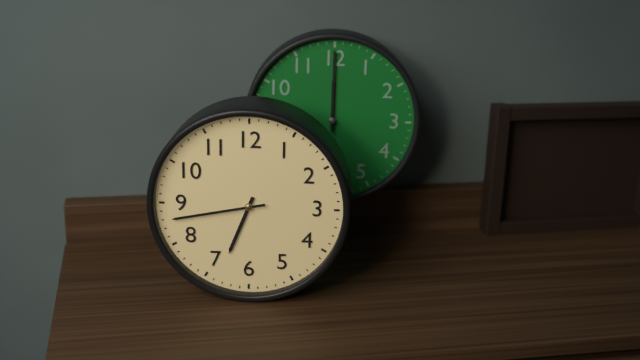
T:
6.43
